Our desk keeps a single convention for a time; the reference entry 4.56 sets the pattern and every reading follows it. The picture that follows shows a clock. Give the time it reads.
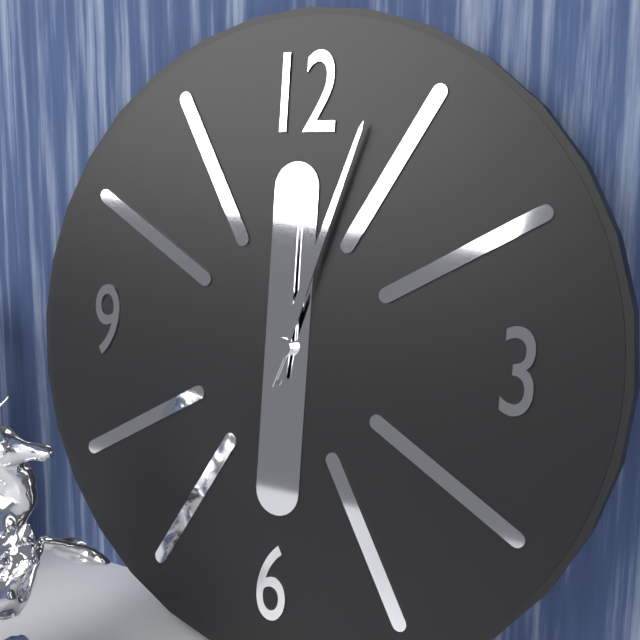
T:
12.03
